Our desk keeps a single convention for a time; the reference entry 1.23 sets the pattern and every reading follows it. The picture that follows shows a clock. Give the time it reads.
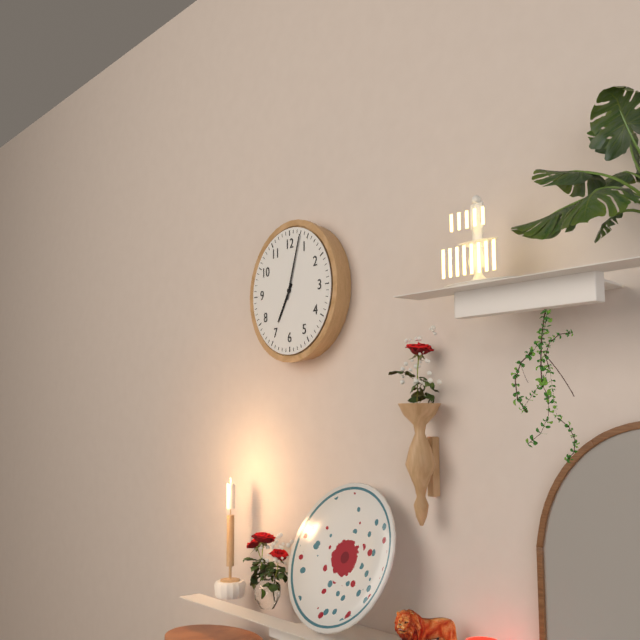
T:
7.03
